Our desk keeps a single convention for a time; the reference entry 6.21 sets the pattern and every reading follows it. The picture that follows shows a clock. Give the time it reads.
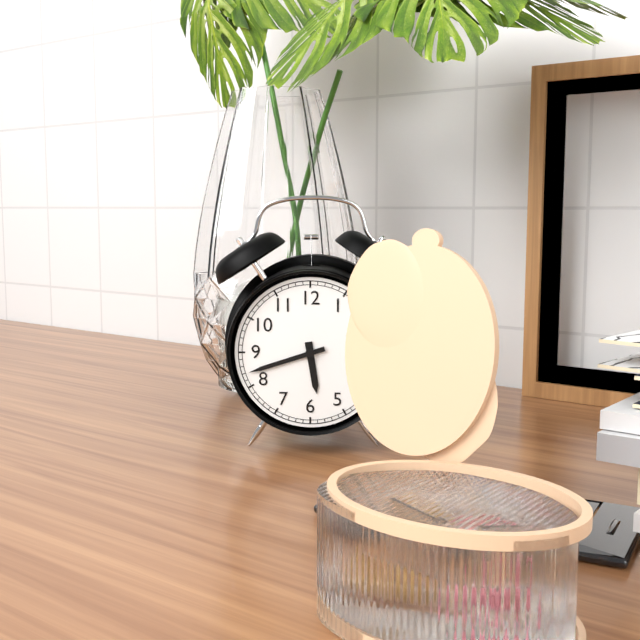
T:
5.42
